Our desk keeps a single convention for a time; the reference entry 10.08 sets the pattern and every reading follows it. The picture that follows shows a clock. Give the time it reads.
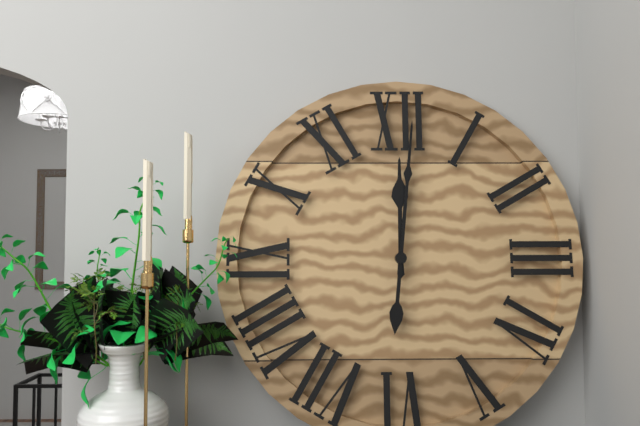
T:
12.01
